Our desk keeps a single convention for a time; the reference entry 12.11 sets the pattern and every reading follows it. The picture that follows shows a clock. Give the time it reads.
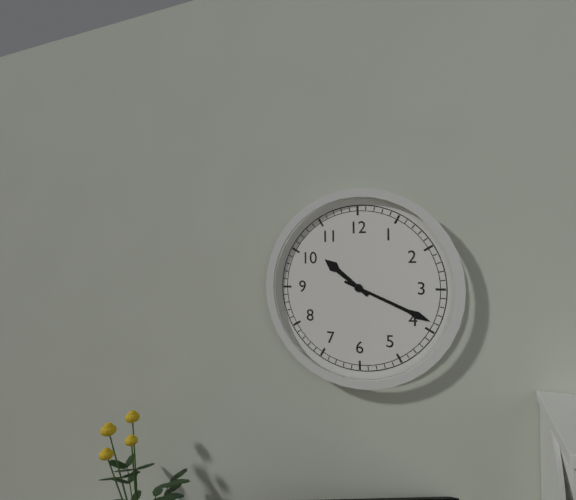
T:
10.19
